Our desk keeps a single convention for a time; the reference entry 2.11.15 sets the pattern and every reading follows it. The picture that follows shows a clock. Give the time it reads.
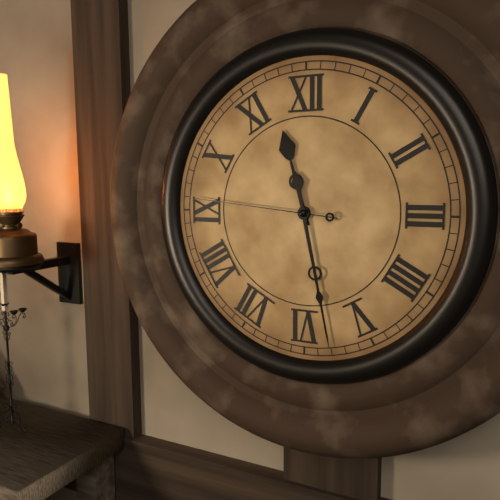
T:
11.28.46
